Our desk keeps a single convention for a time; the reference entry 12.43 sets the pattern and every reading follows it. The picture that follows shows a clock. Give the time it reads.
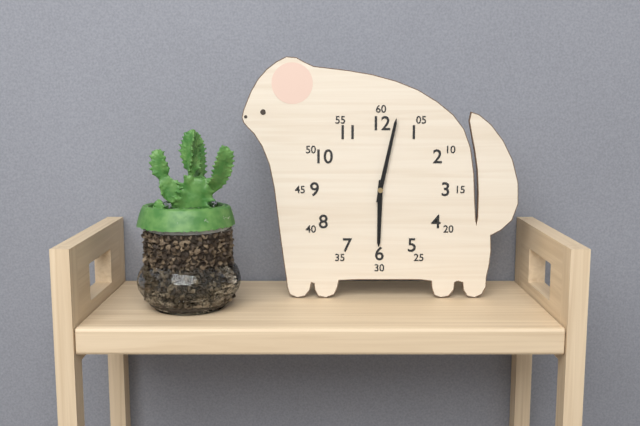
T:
6.02
